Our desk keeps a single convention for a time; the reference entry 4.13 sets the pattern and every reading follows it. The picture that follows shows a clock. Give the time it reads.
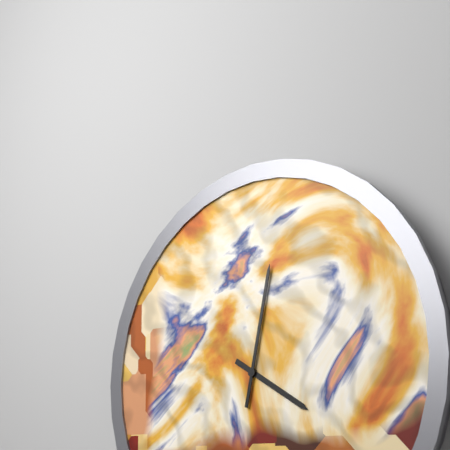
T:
4.02
